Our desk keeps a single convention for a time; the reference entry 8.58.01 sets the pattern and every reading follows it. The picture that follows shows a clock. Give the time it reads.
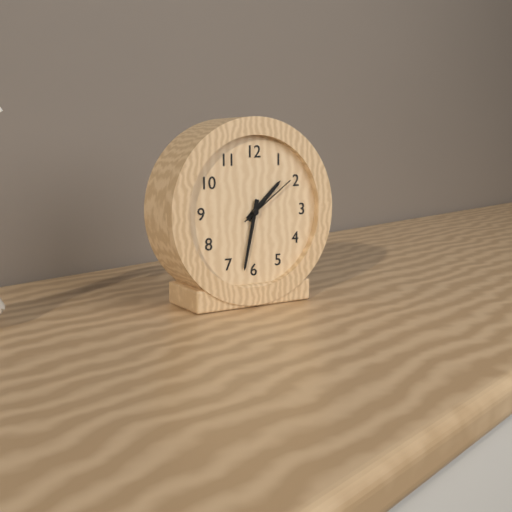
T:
1.32.09
